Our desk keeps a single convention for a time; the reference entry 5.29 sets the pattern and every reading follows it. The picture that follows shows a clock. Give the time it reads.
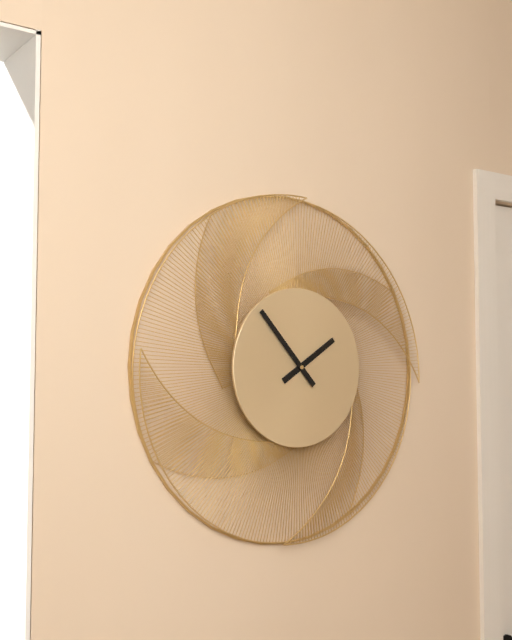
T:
1.53
